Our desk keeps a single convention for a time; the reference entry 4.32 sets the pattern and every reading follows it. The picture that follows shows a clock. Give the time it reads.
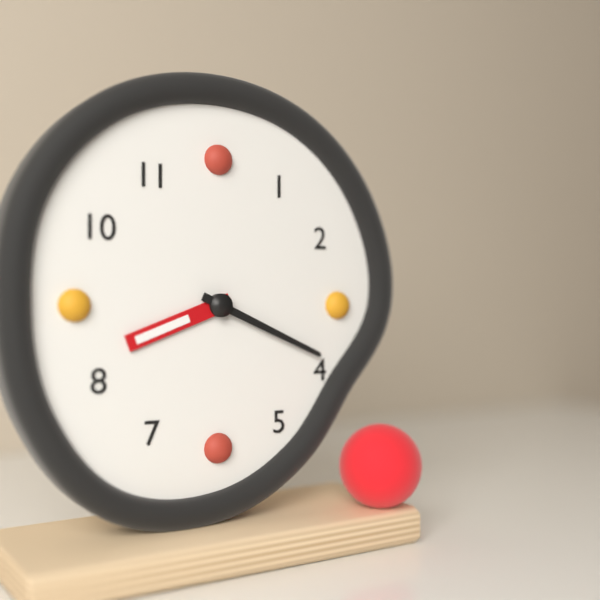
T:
8.19
